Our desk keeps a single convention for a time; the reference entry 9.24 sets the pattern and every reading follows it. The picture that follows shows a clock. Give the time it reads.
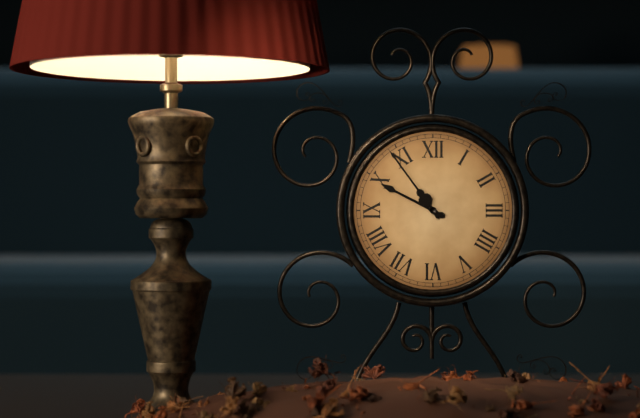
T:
9.54
